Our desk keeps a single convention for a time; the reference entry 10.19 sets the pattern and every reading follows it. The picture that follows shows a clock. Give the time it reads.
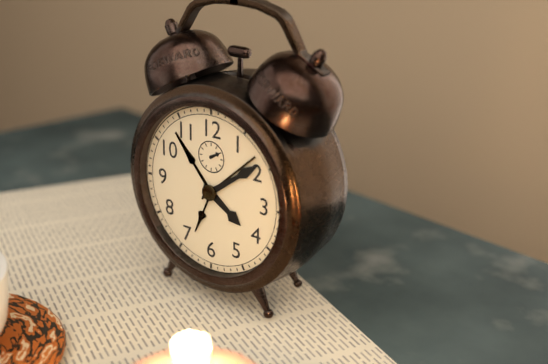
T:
4.09
